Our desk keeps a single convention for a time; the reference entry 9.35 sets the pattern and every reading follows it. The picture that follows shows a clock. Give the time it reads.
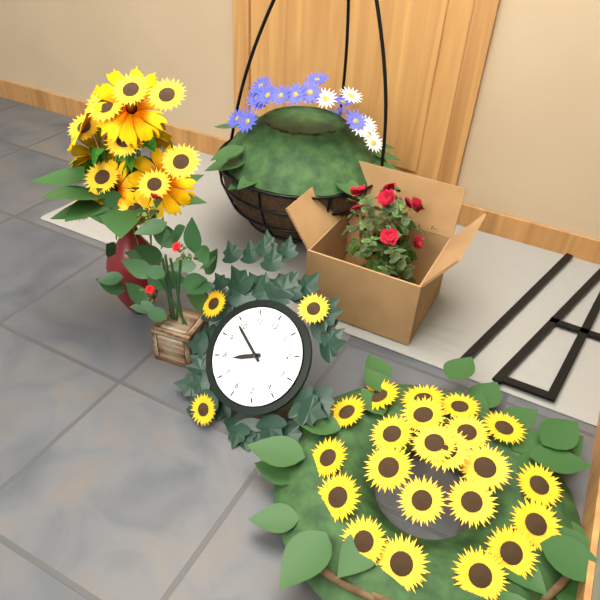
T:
7.49
